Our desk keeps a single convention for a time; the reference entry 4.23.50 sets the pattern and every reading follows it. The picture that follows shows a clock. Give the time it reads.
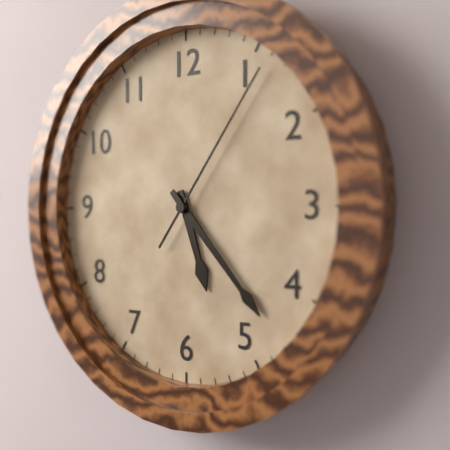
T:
5.23.06
